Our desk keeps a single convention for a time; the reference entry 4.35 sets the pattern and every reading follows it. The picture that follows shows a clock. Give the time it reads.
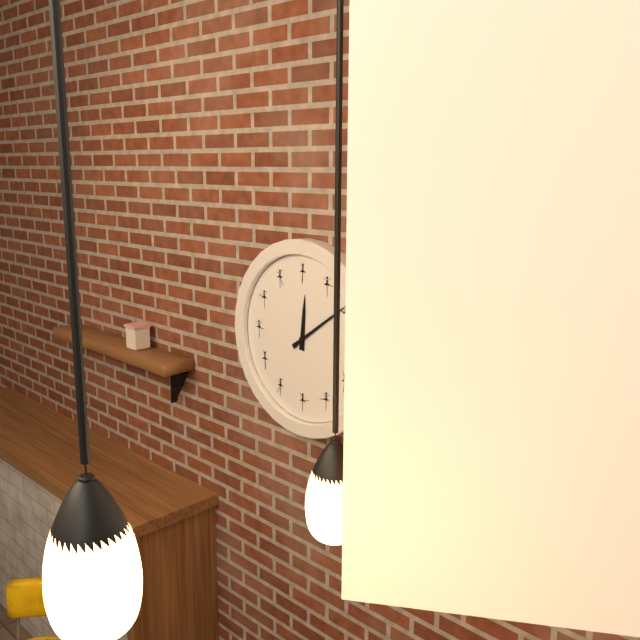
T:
12.09
